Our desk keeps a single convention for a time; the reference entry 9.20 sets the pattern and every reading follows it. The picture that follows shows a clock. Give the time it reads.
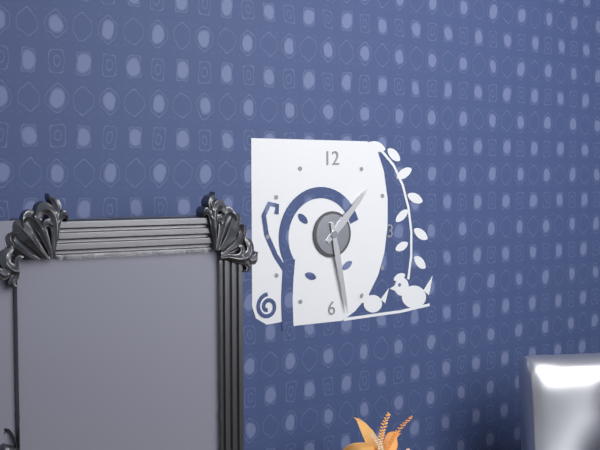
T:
1.28
